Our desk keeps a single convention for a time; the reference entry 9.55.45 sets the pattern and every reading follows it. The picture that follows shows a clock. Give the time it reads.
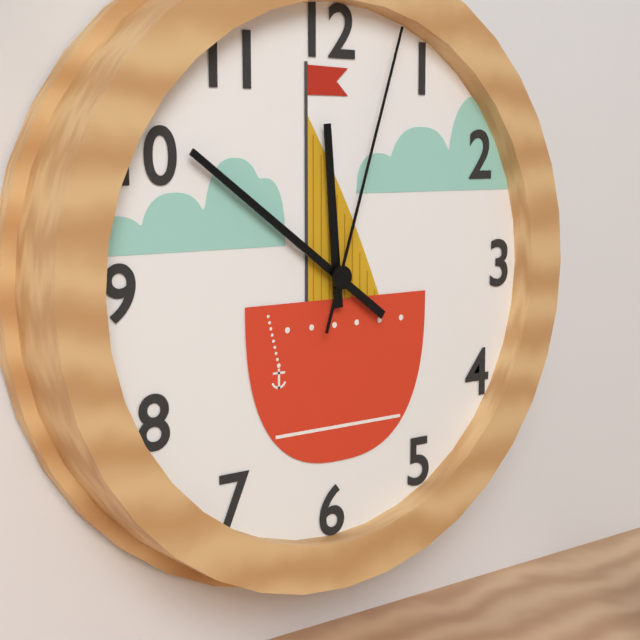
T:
11.51.03
